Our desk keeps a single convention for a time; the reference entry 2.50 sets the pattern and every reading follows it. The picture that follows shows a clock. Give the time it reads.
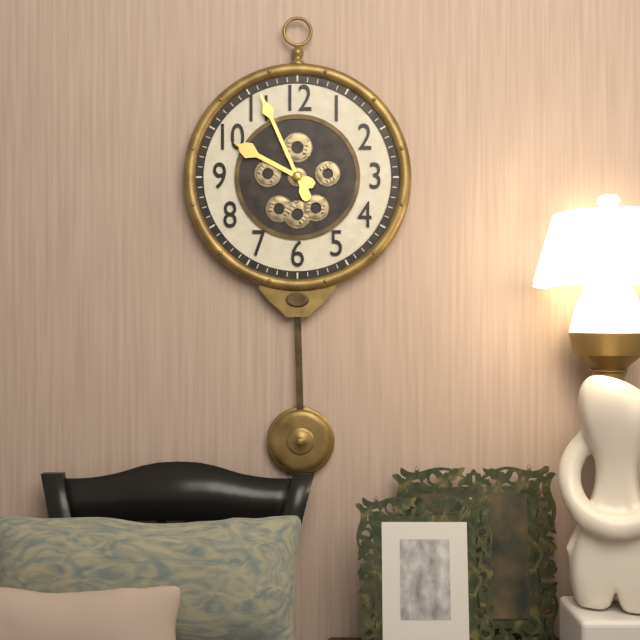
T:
9.56
